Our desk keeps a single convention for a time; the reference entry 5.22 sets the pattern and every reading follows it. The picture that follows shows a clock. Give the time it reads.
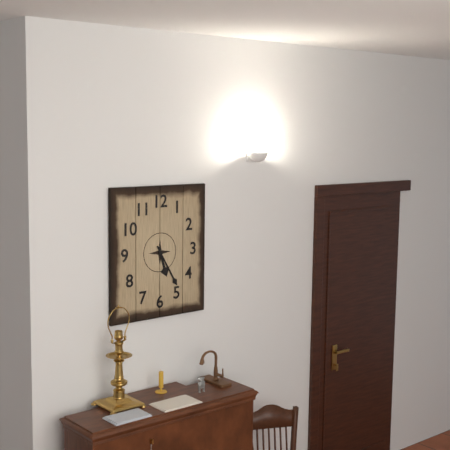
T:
5.25
